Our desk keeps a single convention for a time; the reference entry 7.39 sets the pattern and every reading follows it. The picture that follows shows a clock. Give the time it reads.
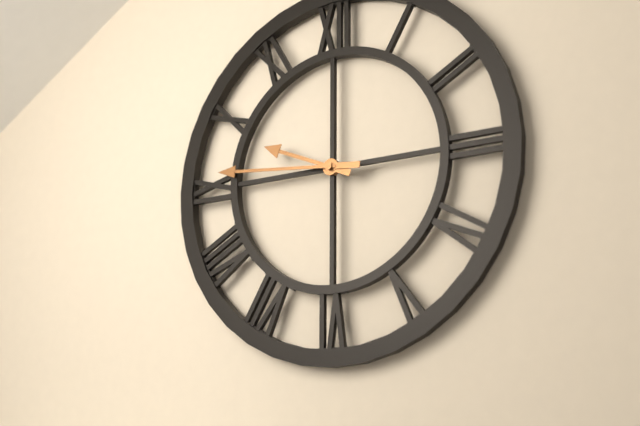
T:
9.46
